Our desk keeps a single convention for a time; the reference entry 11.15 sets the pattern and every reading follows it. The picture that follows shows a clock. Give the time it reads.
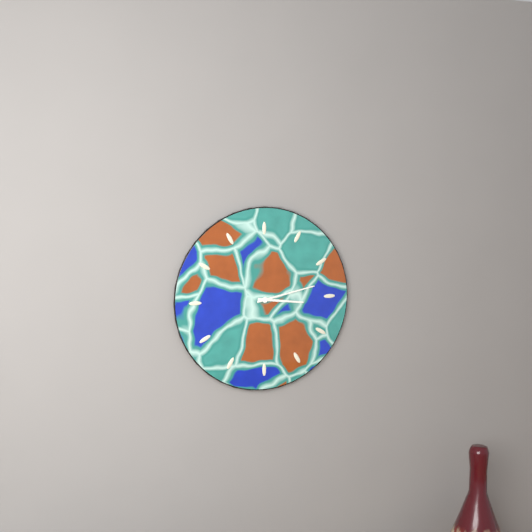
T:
3.13
